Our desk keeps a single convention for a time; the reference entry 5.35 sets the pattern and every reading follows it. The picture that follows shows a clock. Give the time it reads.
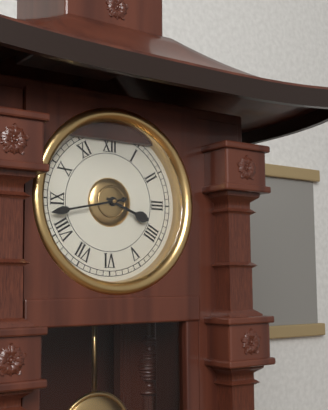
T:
3.43
